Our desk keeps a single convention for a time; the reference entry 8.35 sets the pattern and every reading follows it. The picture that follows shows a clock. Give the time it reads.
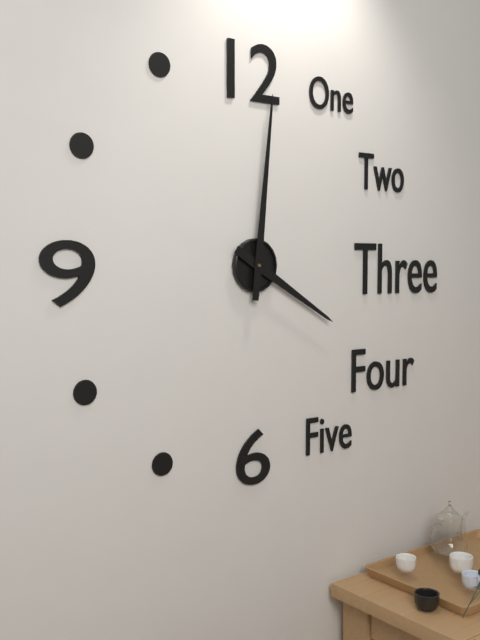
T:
4.01
